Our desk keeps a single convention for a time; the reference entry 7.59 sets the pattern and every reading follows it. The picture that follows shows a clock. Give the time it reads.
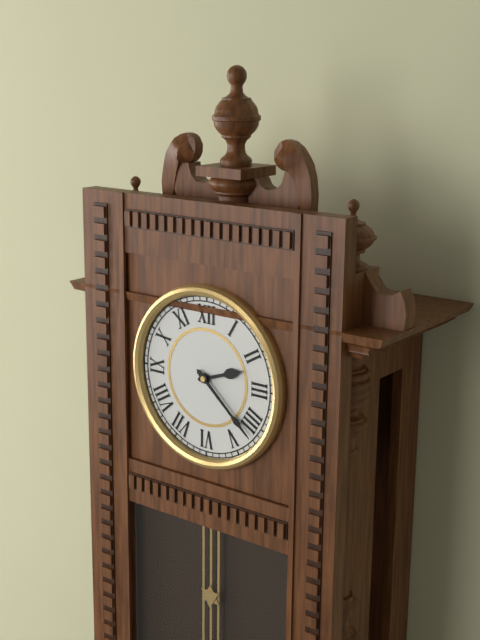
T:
2.22
